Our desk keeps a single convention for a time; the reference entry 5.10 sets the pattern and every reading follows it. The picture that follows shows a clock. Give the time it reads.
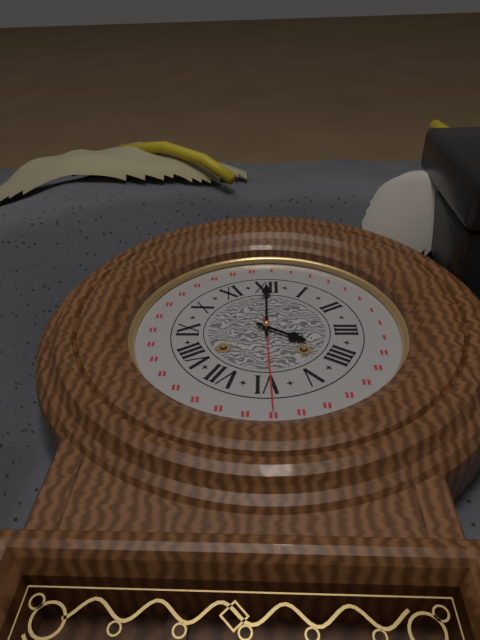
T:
4.00
